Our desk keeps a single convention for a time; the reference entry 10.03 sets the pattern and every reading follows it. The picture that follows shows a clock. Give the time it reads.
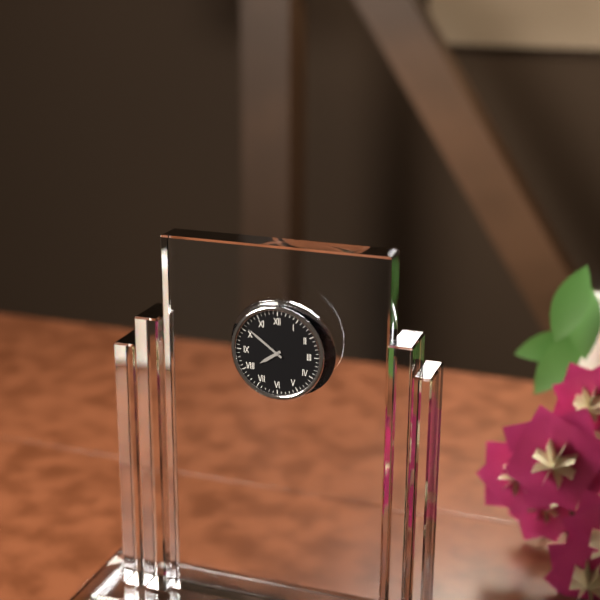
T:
7.51
